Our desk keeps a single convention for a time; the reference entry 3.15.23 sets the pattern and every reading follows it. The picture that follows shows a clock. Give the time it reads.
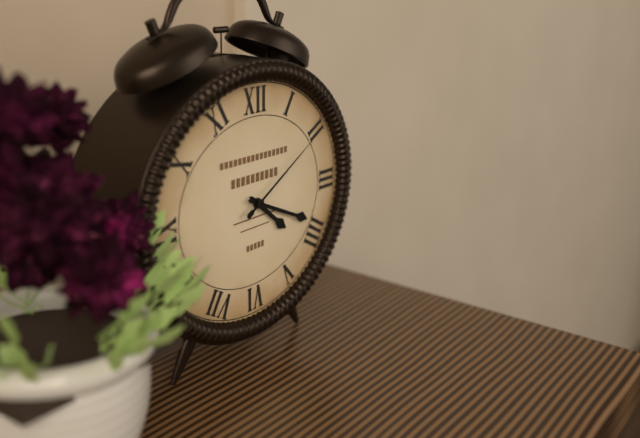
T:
4.19.10
